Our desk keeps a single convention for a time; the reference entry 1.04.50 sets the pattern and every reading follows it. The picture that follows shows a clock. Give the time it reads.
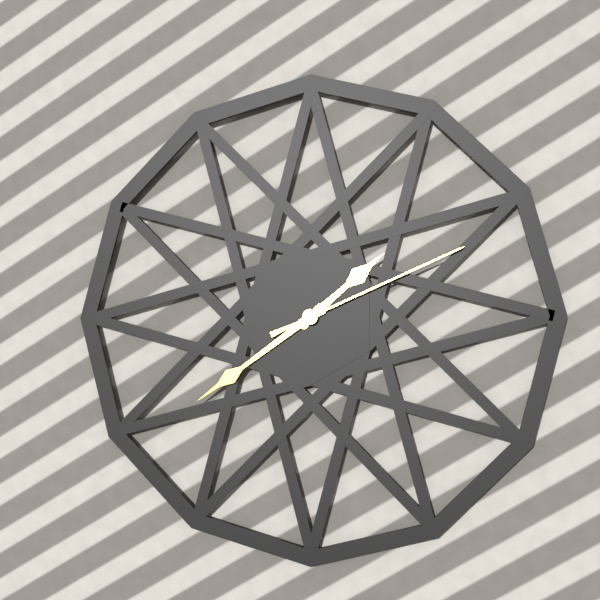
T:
1.39.11
